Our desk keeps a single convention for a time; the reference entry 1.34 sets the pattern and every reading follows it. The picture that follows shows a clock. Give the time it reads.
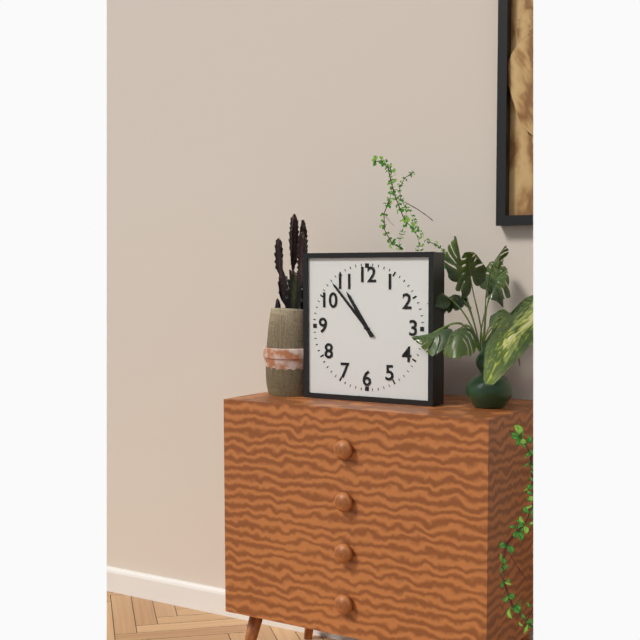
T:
10.53
